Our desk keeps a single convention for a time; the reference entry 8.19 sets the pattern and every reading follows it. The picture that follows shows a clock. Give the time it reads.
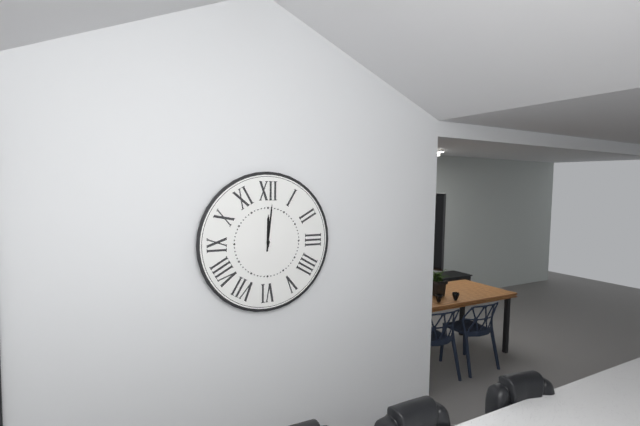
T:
12.01
